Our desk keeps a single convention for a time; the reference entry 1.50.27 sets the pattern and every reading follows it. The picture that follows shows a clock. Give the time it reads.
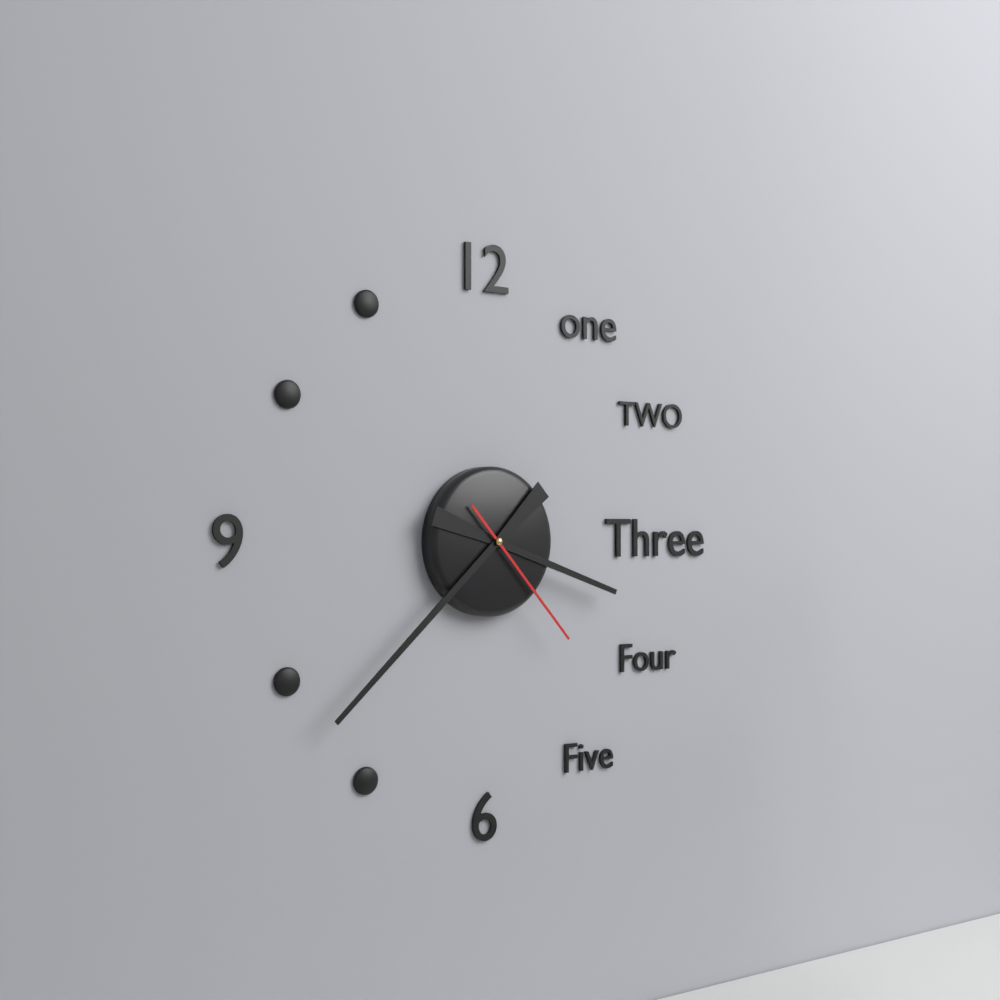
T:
3.38.23
